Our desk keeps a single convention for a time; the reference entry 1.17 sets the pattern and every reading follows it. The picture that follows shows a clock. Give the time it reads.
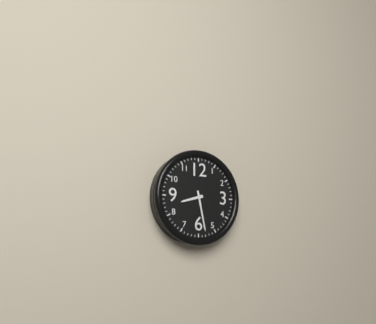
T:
8.28
